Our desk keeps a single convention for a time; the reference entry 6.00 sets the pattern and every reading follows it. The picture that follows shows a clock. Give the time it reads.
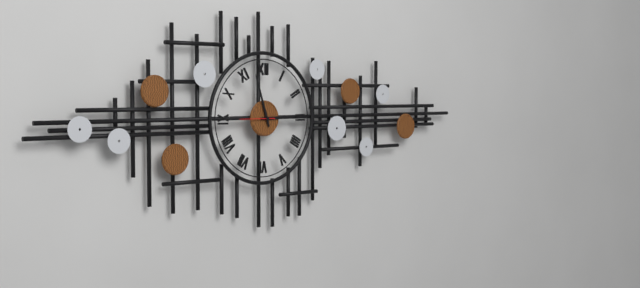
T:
2.57
